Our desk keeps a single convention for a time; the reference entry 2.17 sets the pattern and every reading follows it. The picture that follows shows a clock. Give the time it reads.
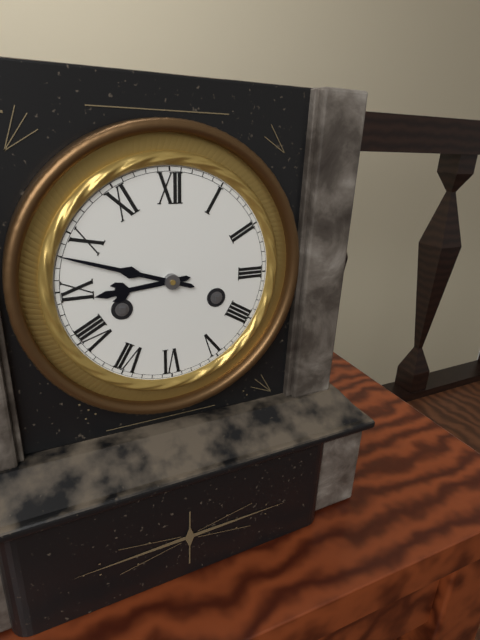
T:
8.48
